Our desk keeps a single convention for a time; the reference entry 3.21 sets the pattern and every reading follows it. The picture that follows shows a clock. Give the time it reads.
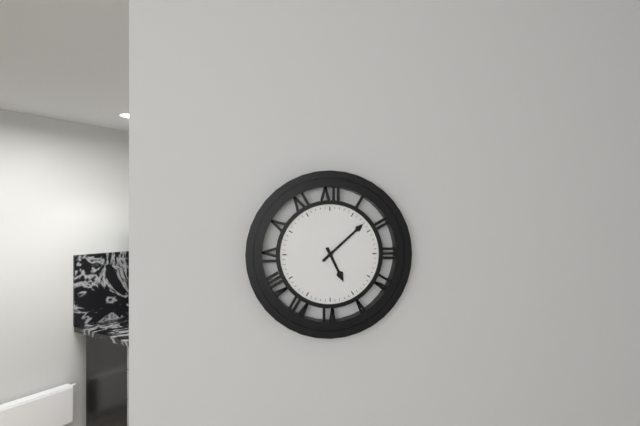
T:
5.08
